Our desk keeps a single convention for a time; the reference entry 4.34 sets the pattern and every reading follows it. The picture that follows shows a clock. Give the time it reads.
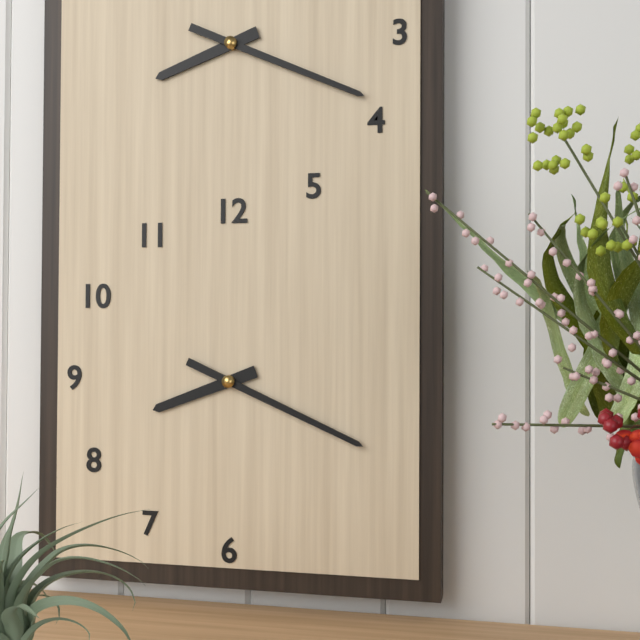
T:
8.19
